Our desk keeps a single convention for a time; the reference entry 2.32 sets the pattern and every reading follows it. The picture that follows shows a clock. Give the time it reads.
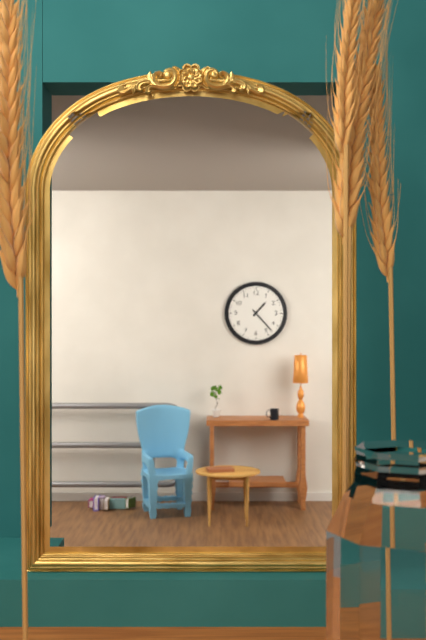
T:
1.23
